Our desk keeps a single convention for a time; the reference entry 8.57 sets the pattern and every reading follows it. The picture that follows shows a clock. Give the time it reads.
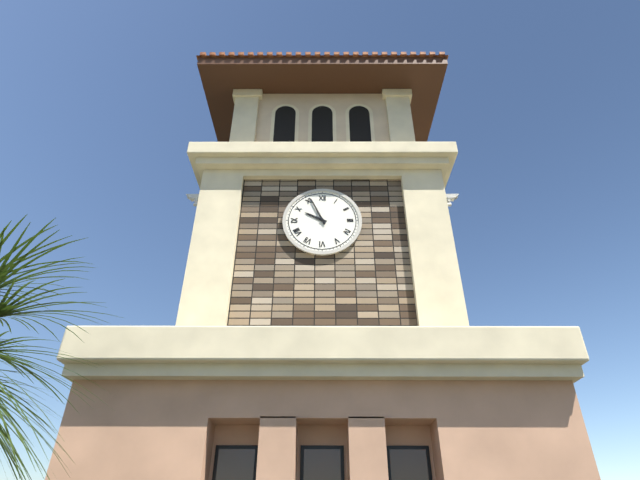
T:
9.56
